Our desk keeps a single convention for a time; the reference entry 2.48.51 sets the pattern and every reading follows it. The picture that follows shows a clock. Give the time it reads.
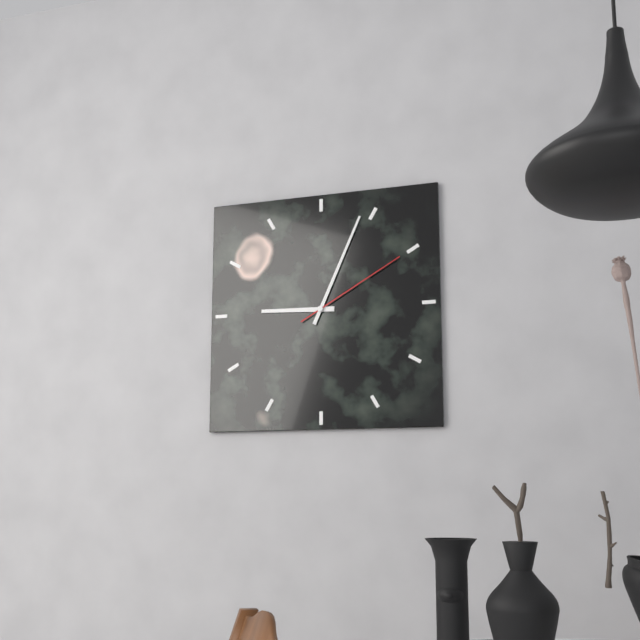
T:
9.04.10
